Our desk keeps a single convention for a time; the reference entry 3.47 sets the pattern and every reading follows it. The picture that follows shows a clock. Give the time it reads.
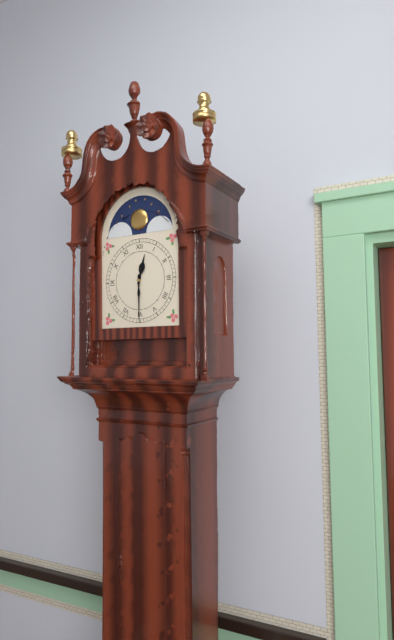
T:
12.30
